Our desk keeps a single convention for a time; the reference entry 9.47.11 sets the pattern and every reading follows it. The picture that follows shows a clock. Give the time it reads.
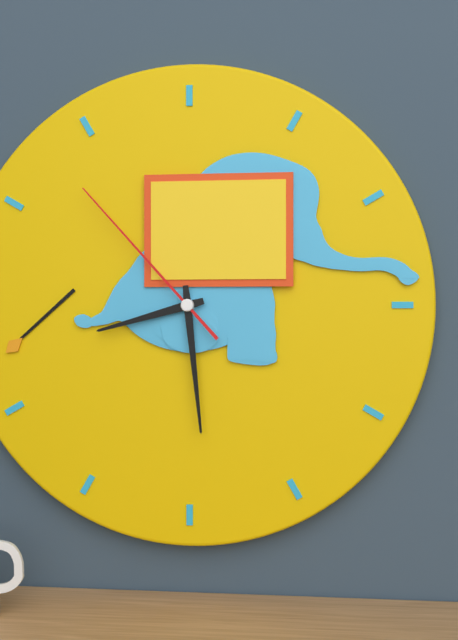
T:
8.29.53
